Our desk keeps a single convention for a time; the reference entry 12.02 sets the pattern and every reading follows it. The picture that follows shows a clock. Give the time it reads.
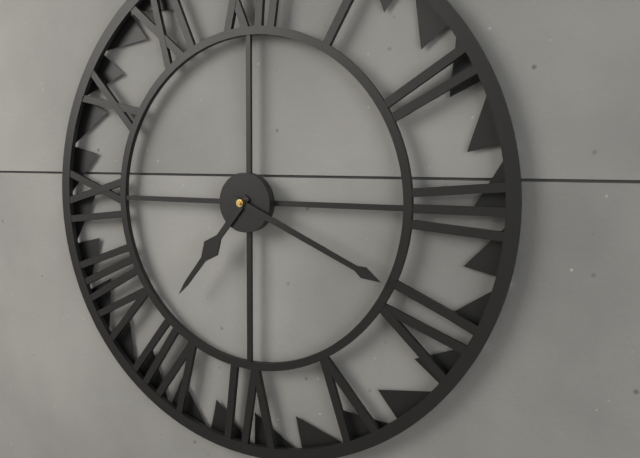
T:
7.19
